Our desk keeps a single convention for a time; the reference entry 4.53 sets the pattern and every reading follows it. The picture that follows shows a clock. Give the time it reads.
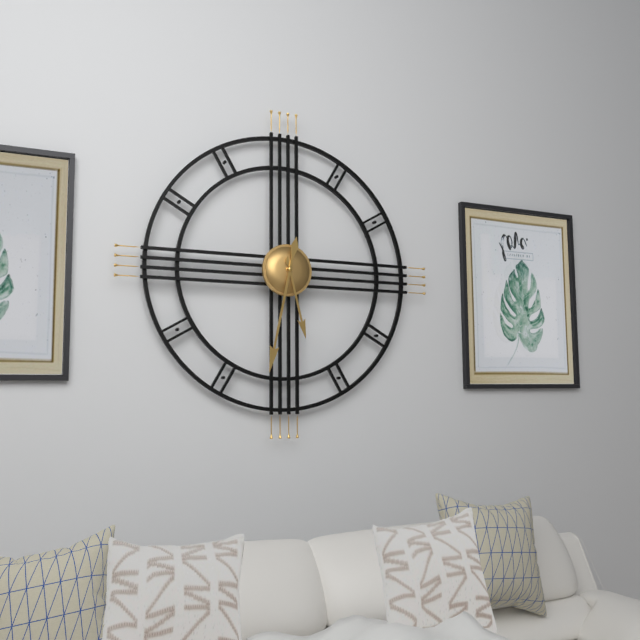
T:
5.32
